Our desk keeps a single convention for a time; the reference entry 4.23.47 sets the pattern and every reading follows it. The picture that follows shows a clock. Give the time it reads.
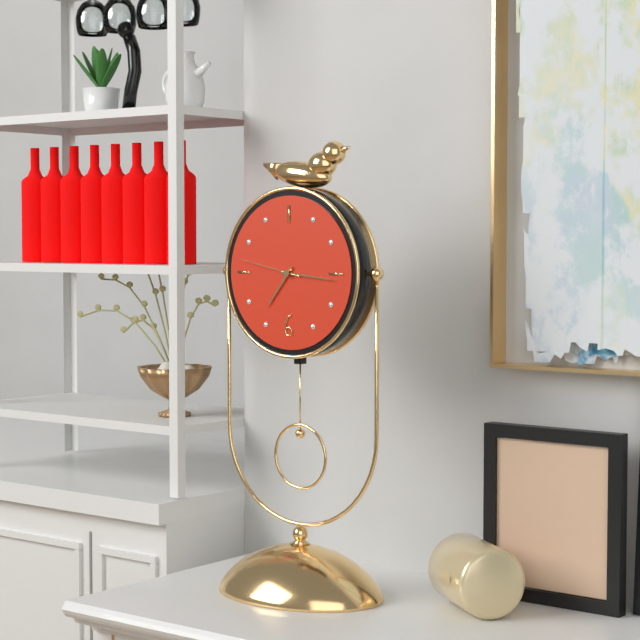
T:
7.16.47
